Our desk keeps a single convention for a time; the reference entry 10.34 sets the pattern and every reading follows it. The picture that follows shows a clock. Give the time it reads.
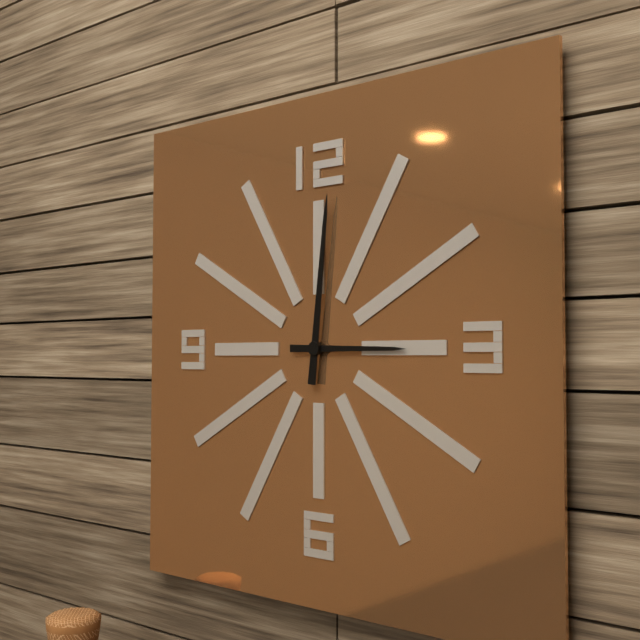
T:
3.01
